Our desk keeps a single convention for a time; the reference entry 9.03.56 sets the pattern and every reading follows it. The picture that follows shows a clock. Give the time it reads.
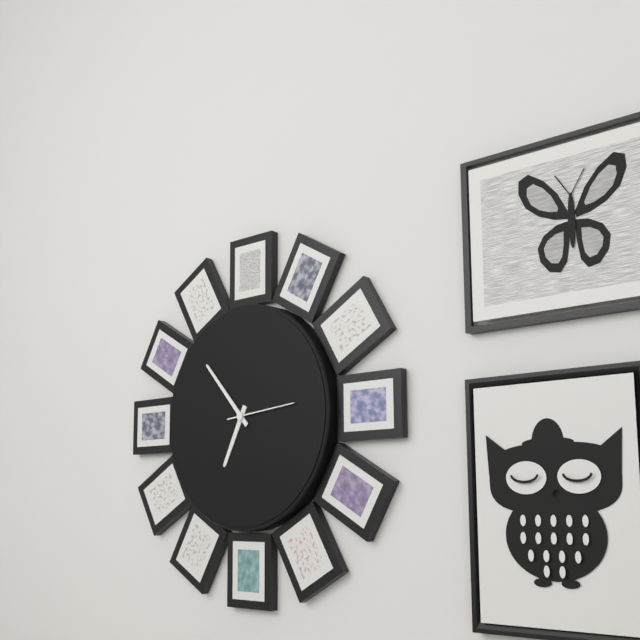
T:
6.53.14
